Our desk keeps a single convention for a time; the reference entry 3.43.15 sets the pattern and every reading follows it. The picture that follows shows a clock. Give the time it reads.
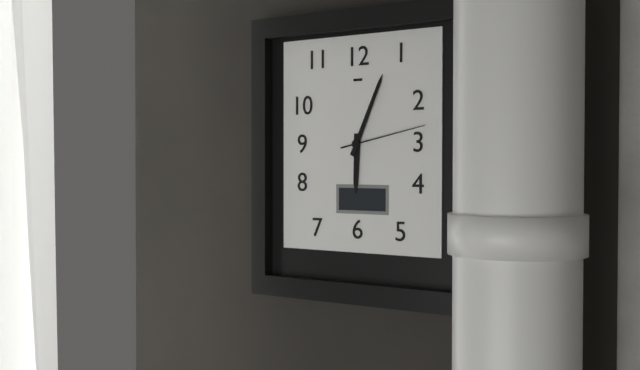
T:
6.04.13
